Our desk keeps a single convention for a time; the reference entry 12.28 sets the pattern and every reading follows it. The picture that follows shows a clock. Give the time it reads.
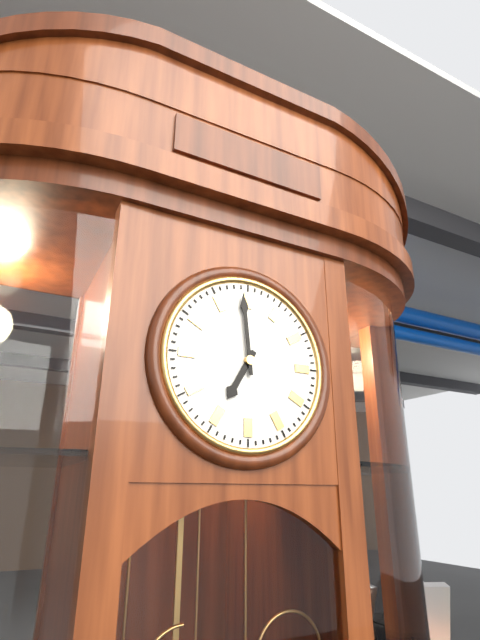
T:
6.59
